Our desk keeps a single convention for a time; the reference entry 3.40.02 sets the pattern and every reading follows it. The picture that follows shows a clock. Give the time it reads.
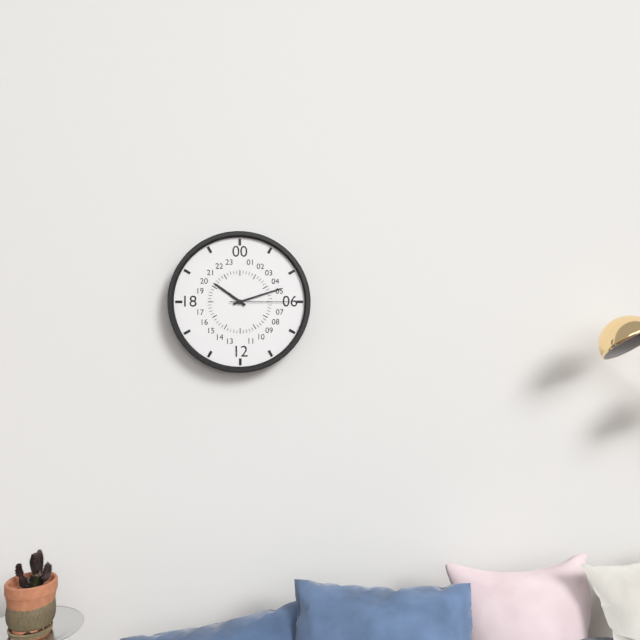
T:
10.12.15
